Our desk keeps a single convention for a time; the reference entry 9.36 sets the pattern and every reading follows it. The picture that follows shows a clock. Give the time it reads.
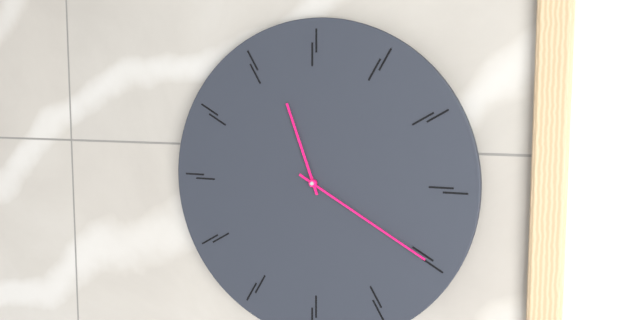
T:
11.20
